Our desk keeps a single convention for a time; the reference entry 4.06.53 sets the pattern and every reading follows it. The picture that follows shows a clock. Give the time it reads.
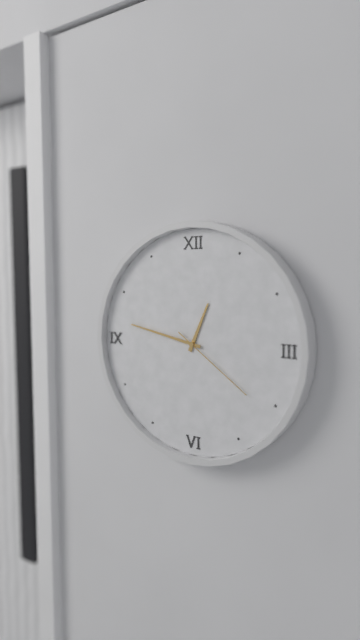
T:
12.47.21
